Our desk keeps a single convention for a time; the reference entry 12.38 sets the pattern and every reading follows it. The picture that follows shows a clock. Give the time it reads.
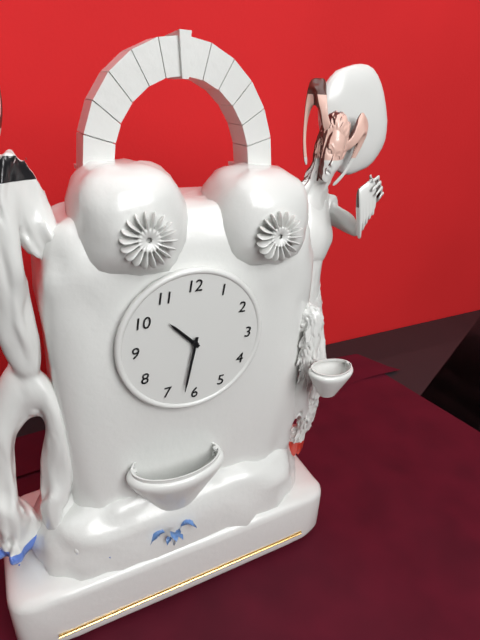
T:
10.32
